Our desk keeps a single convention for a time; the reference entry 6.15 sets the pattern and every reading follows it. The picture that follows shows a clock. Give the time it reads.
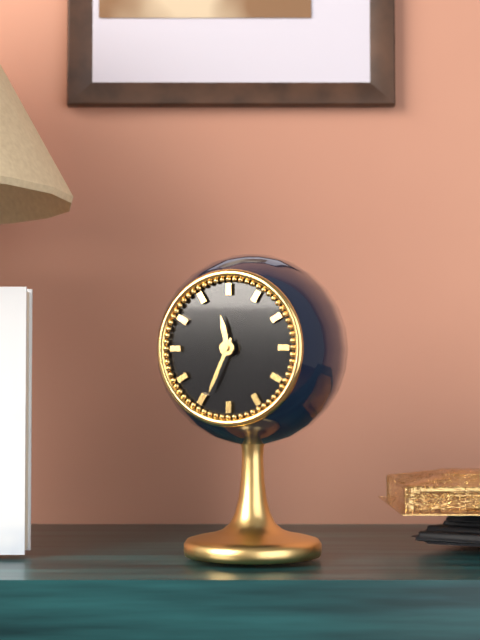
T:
11.34
